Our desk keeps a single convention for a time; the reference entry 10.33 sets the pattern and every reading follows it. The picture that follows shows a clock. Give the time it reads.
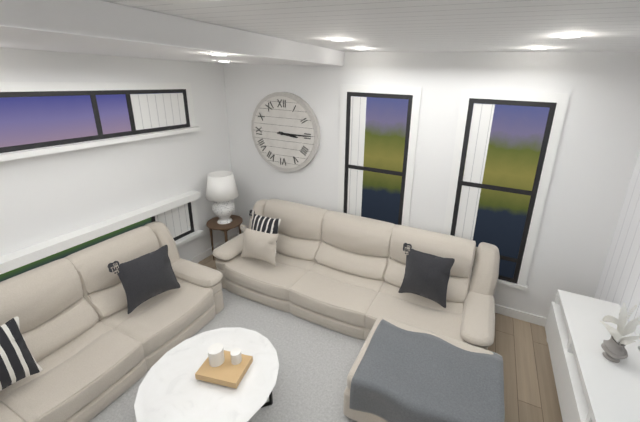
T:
3.15
